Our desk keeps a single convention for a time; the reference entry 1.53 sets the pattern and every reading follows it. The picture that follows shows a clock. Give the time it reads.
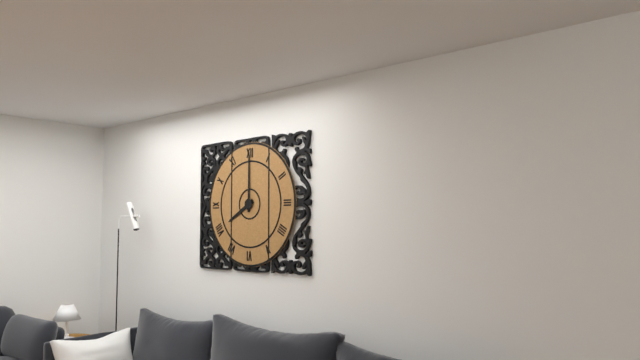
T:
8.00
